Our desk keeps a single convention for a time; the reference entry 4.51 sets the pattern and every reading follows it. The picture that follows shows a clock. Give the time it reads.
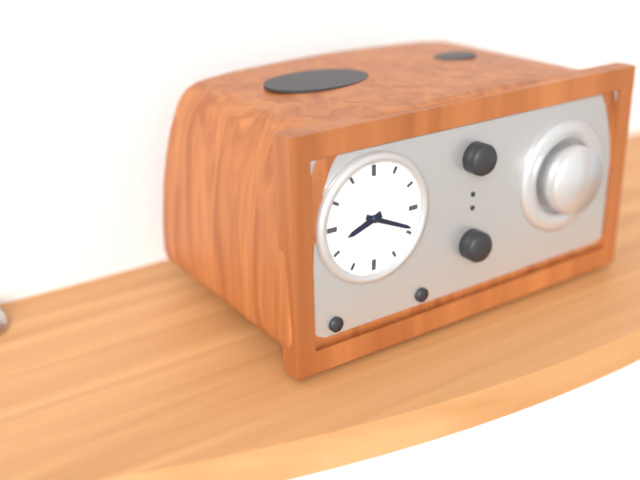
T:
8.19
